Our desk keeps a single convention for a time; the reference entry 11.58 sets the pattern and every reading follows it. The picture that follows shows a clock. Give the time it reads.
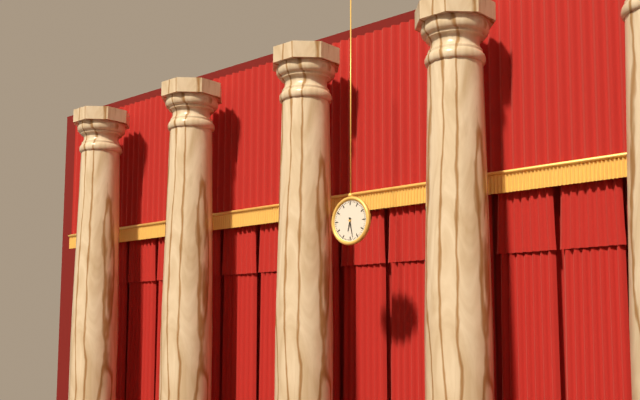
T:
6.28
